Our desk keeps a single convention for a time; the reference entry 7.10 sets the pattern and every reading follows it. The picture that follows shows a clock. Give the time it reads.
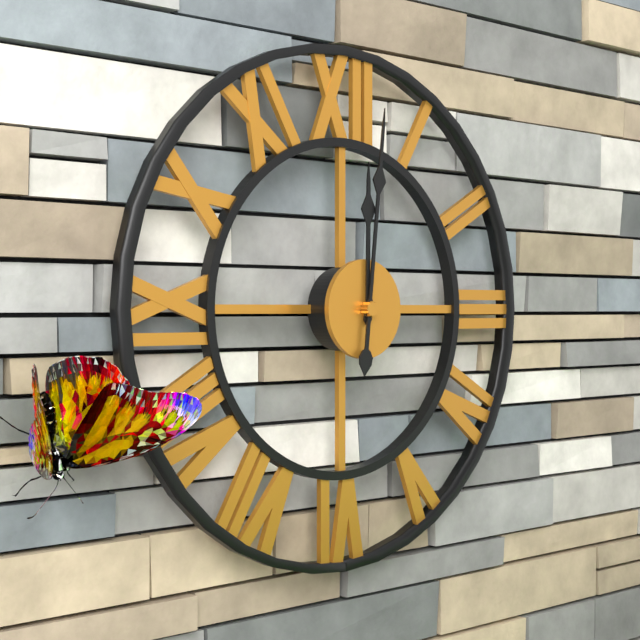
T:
12.01
